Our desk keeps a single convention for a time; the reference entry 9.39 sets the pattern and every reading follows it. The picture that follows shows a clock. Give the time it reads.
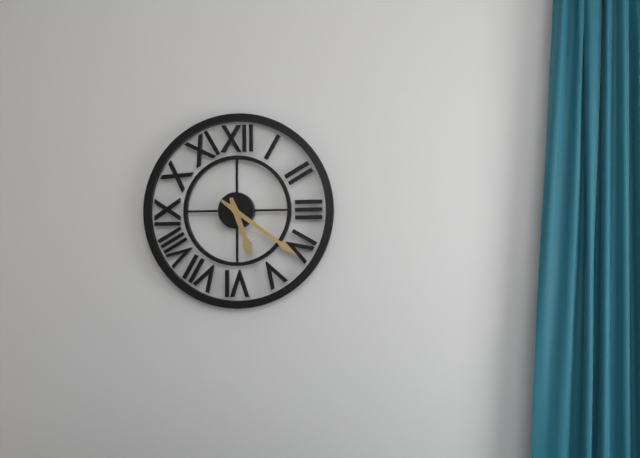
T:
5.21
